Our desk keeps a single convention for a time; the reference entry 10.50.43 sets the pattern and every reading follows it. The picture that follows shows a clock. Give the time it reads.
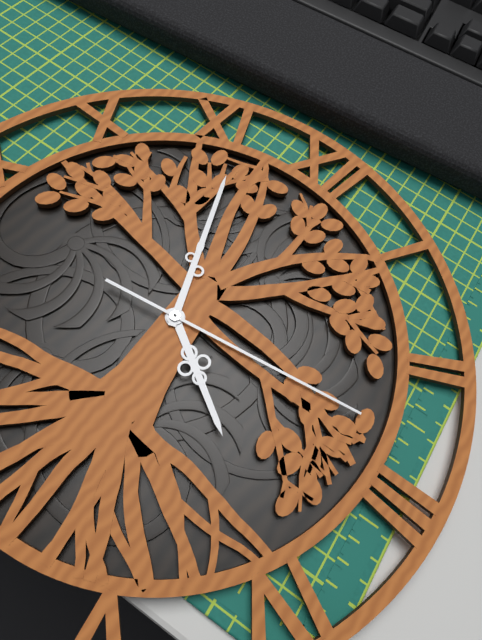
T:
3.56.13
